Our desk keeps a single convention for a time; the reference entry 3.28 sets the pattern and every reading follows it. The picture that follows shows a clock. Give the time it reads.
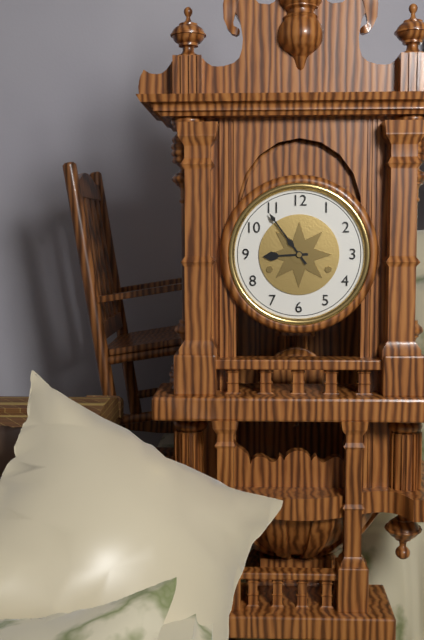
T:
8.54
